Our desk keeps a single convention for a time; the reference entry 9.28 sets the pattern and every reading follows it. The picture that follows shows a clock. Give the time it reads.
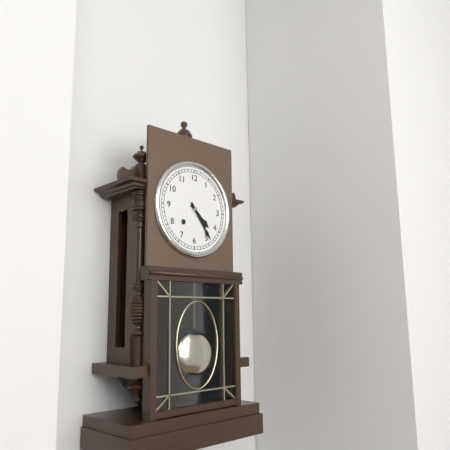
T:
4.24
